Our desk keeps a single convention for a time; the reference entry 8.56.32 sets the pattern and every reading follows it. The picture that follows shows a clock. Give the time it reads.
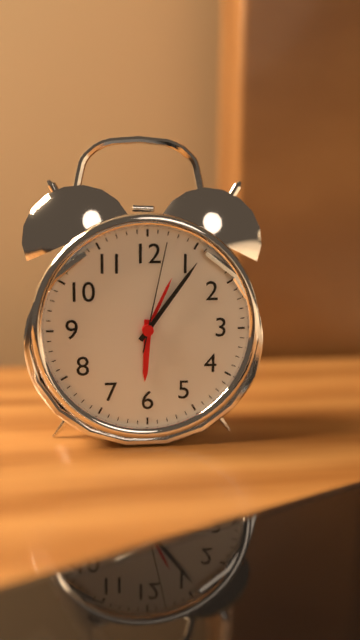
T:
6.06.02
